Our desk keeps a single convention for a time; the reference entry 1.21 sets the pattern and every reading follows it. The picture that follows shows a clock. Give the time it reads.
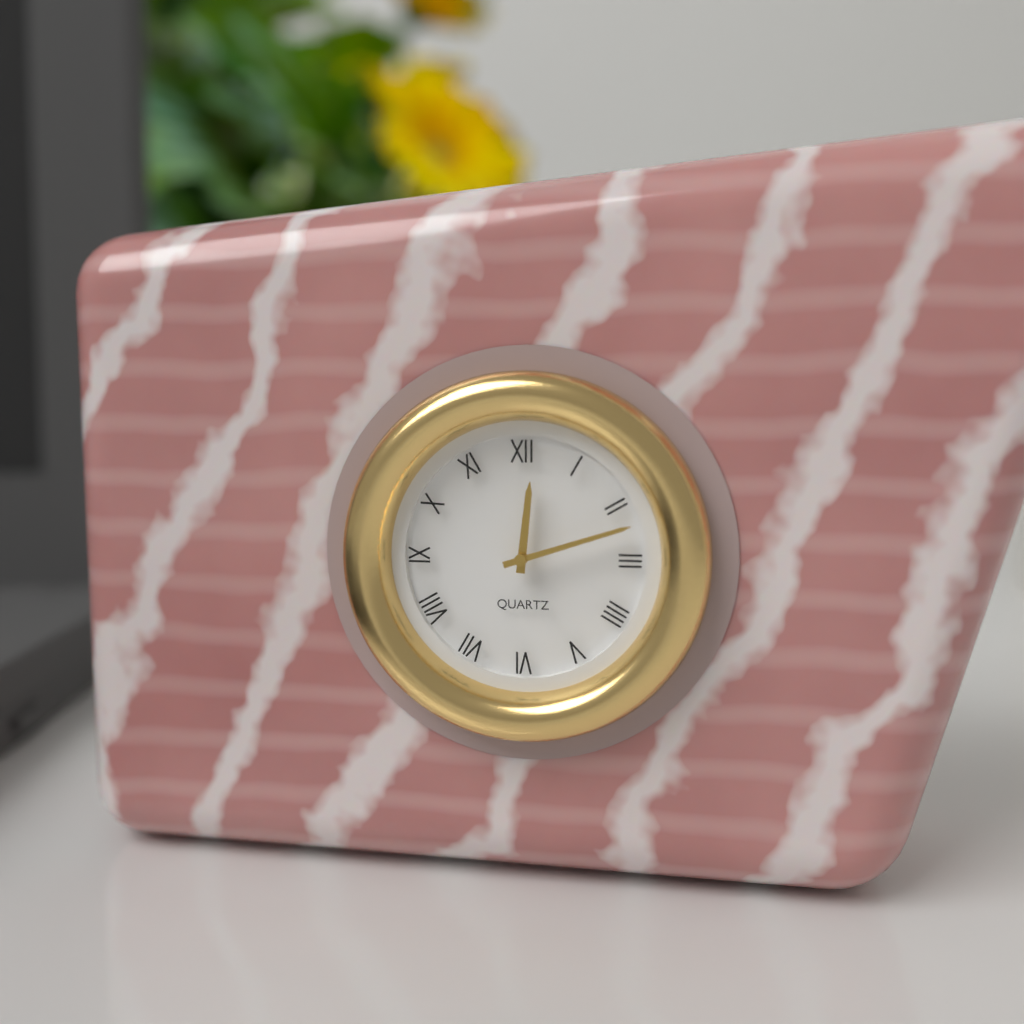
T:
12.12
